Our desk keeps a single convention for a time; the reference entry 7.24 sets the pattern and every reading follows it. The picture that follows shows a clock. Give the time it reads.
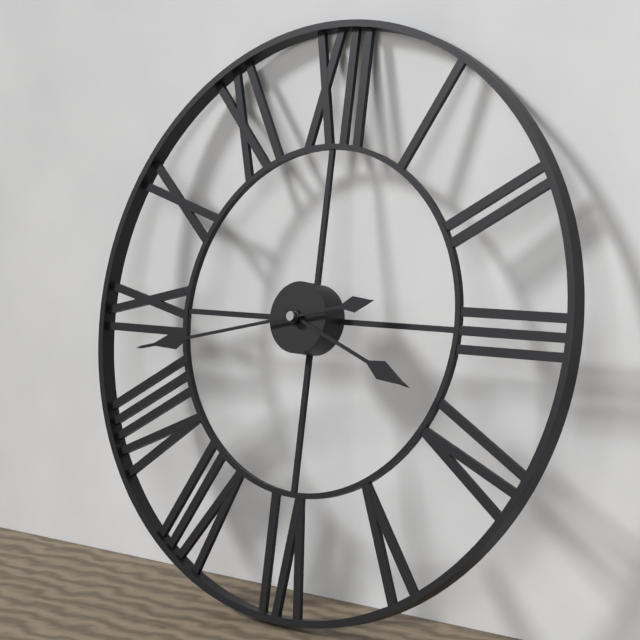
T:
3.43
